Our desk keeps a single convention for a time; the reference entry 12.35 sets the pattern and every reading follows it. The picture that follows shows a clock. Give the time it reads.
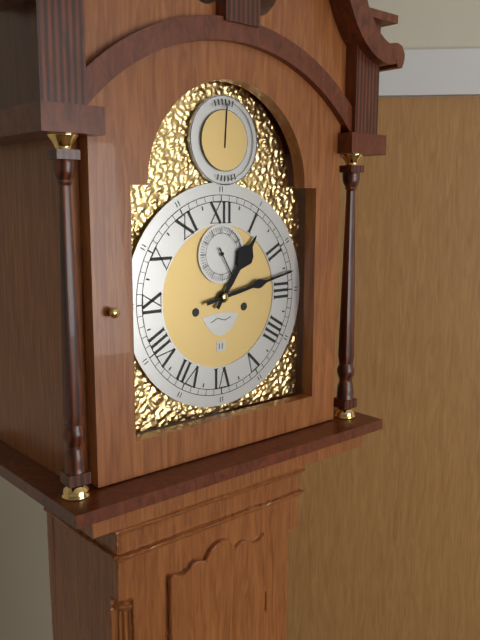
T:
1.13
